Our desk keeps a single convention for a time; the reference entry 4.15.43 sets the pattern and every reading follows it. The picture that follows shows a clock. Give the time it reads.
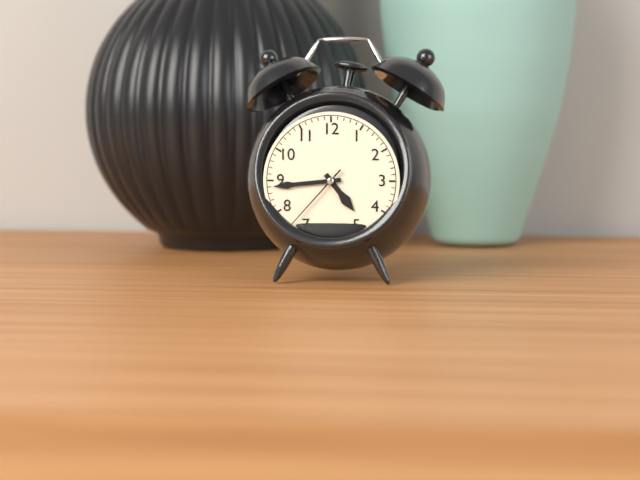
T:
4.44.37
